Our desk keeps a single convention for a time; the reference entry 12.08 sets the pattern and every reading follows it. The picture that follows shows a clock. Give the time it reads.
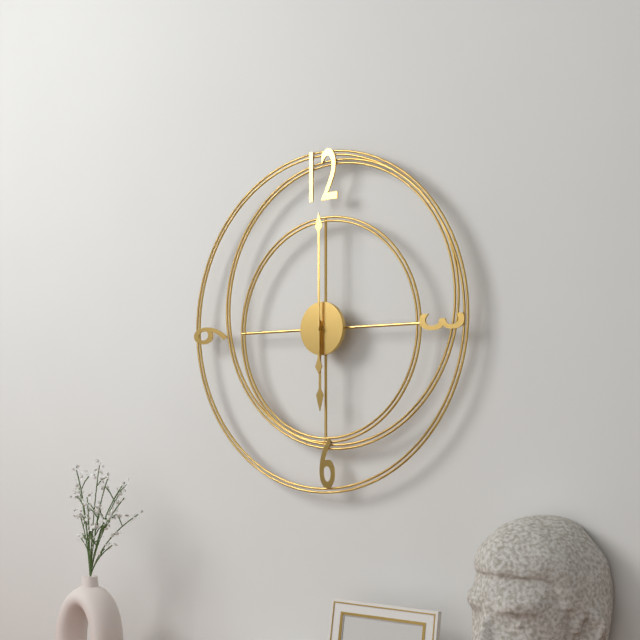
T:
6.00
